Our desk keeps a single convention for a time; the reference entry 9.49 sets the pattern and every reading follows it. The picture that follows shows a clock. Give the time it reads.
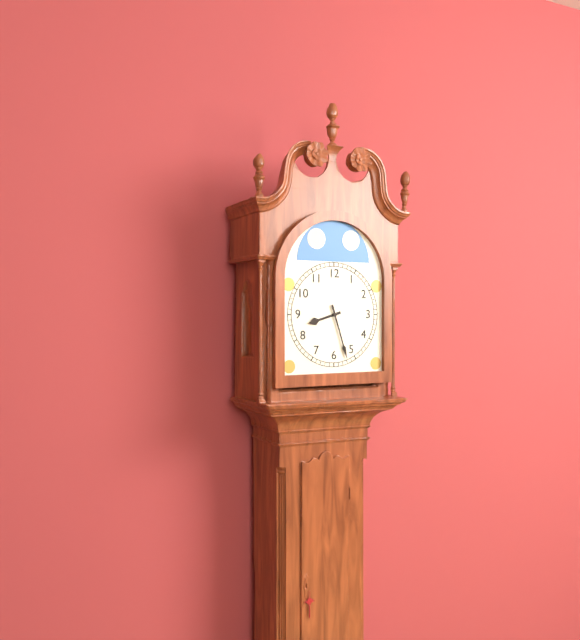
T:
8.27
